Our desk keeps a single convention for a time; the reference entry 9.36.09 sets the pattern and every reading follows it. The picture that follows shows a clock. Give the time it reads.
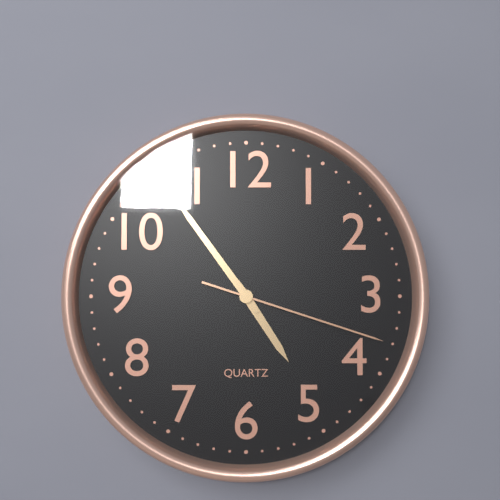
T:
4.54.18
